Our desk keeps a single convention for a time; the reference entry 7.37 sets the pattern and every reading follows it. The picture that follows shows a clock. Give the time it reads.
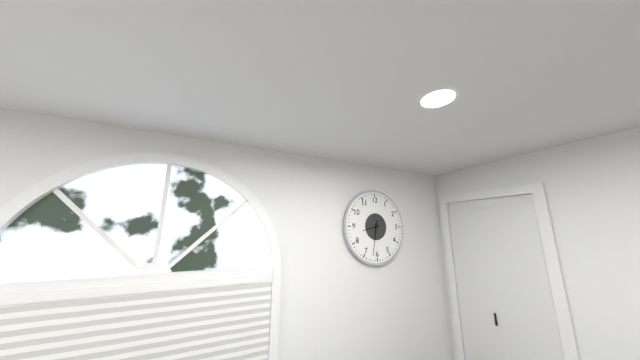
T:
8.32
